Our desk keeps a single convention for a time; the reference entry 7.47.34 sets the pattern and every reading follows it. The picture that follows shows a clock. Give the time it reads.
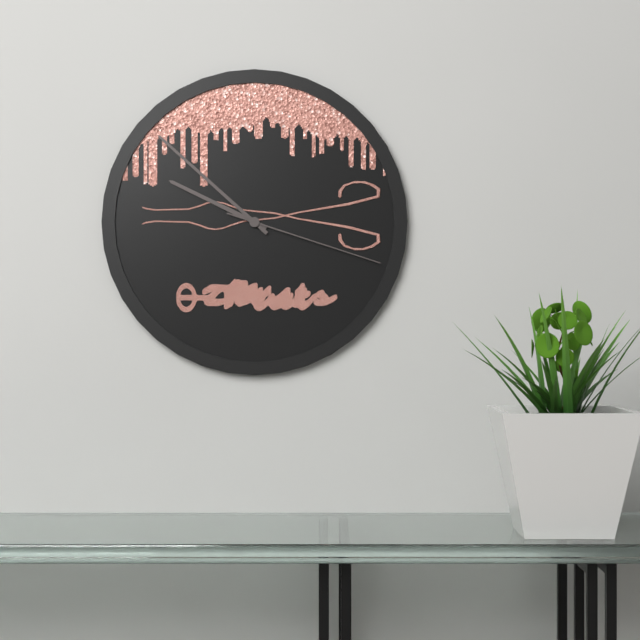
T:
9.52.18
